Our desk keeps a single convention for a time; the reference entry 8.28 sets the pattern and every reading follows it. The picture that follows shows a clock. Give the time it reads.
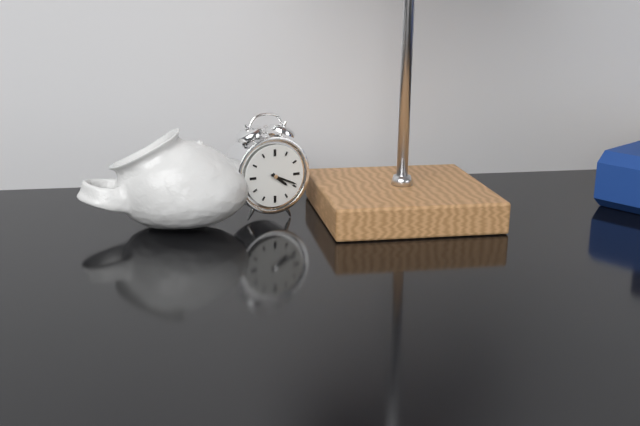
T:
4.19
